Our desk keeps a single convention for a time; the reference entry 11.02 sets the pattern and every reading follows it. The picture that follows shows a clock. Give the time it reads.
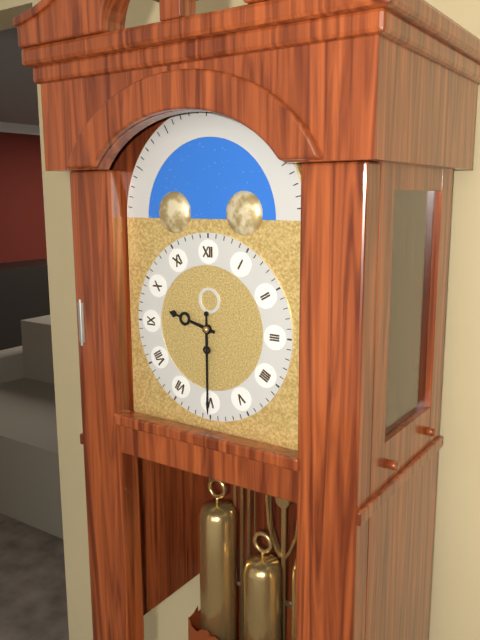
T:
9.30
